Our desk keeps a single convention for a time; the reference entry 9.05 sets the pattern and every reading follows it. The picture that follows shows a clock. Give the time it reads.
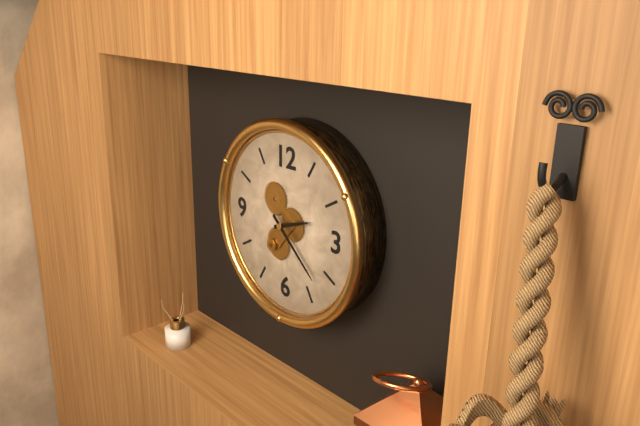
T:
2.22
